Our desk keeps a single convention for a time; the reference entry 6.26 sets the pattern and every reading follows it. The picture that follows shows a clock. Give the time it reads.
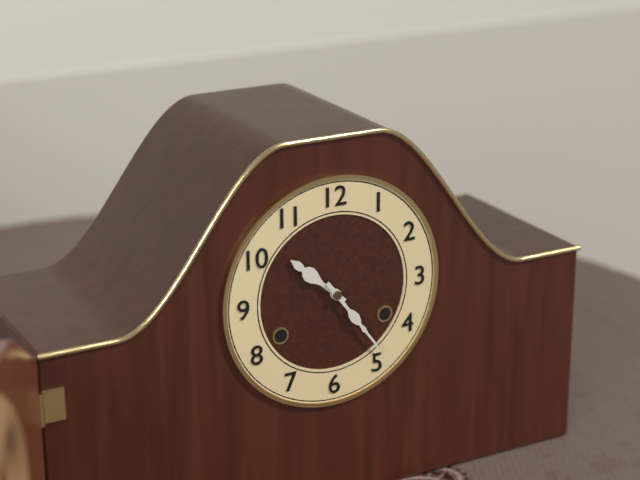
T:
10.24
